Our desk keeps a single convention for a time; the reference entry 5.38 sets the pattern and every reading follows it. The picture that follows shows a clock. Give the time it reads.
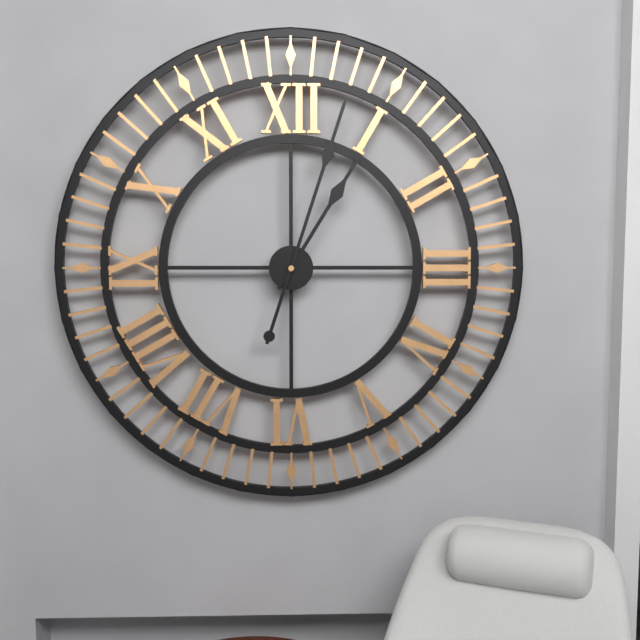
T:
1.03
